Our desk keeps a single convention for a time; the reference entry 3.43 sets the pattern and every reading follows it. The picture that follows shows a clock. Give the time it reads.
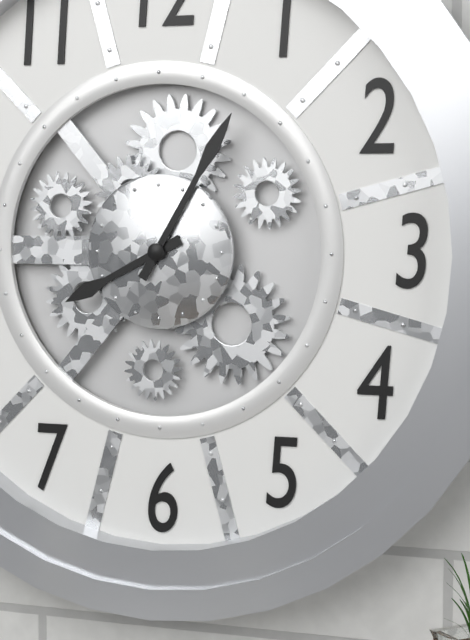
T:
8.05
